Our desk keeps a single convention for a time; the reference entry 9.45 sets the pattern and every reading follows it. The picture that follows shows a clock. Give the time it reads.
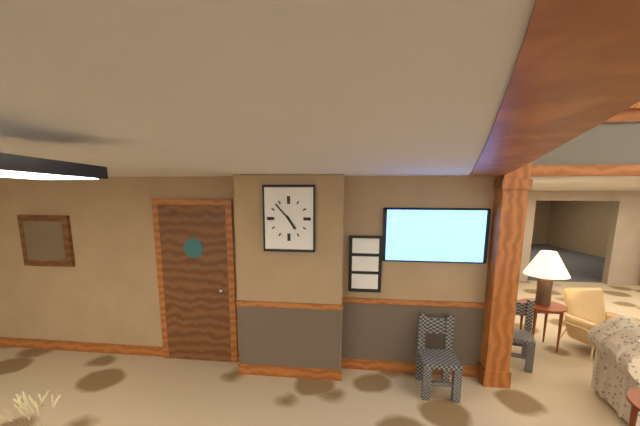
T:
4.53
